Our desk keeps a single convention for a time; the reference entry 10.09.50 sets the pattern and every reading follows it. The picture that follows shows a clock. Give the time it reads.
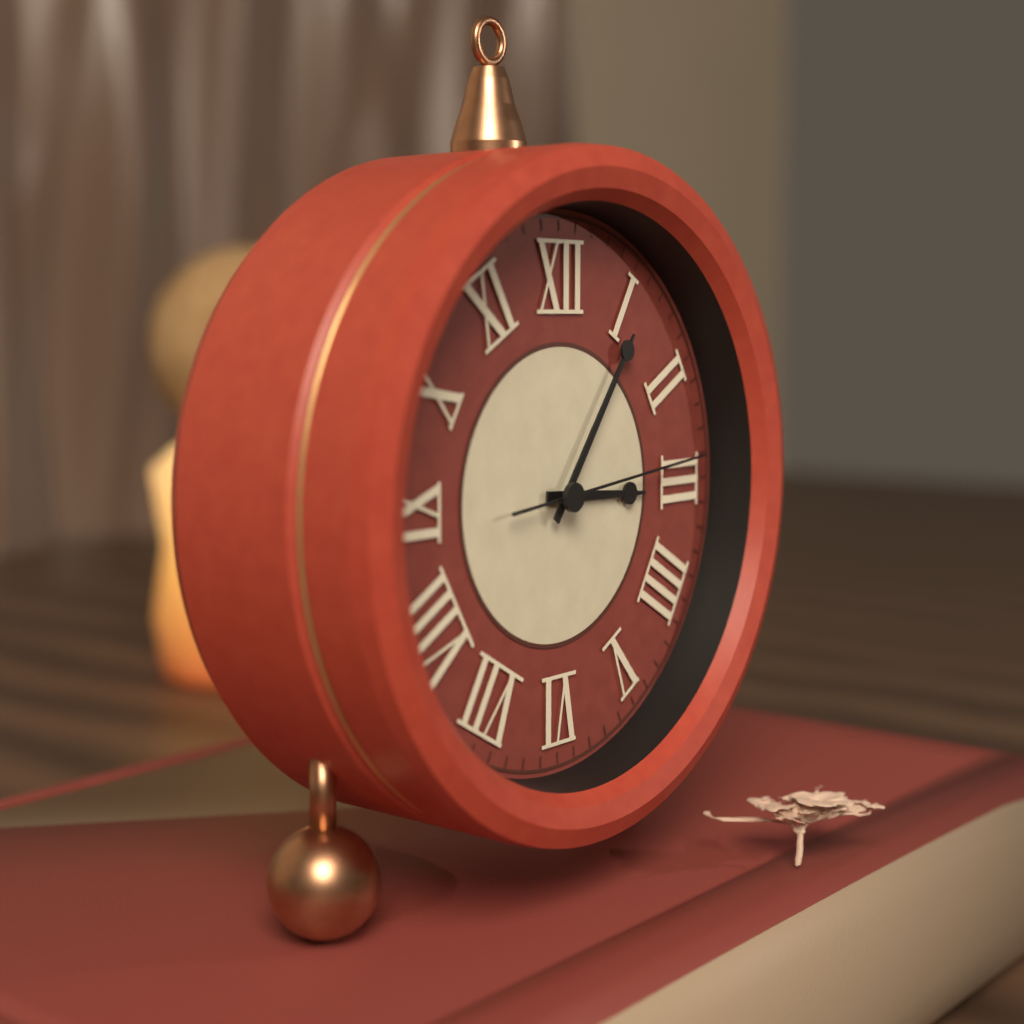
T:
3.06.14
